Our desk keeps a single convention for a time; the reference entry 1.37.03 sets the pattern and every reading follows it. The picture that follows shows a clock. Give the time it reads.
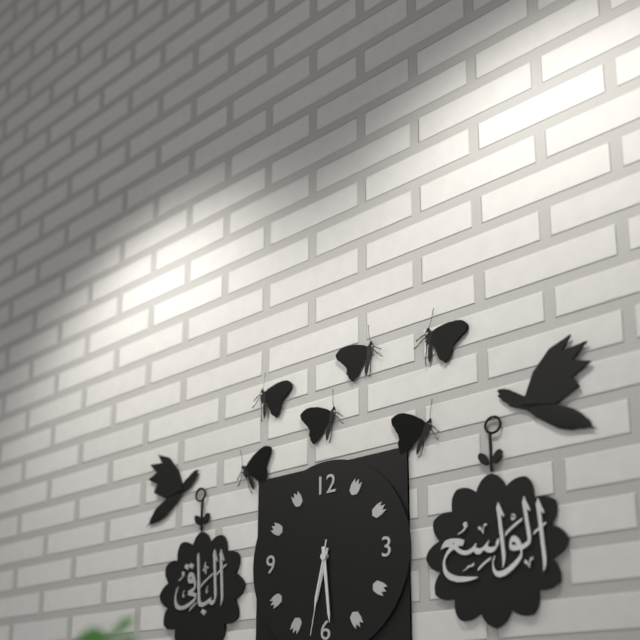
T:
6.29.32
